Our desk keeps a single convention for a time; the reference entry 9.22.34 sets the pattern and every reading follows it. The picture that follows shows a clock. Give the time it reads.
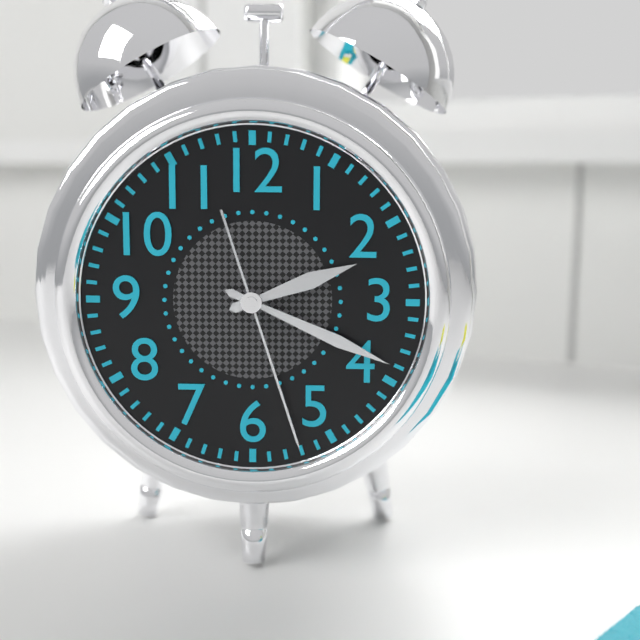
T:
2.19.27
